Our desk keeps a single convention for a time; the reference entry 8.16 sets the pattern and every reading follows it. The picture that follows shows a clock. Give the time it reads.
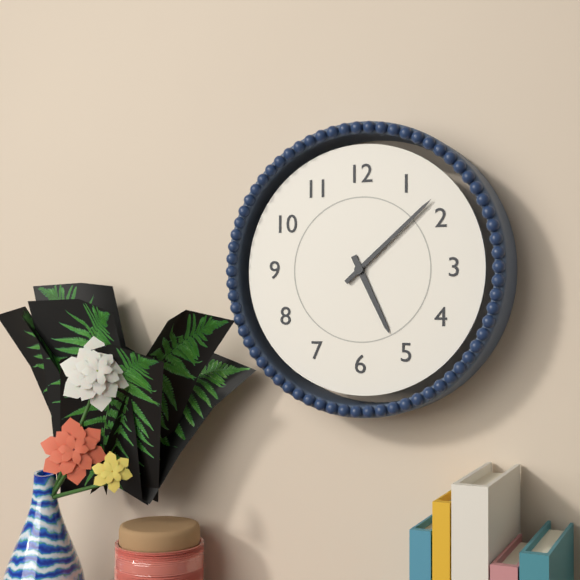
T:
5.08
